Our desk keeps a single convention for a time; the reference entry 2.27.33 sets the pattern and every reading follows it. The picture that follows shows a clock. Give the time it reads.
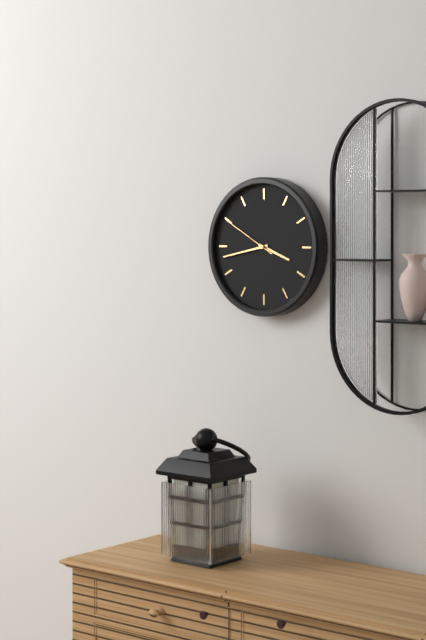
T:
3.43.50
